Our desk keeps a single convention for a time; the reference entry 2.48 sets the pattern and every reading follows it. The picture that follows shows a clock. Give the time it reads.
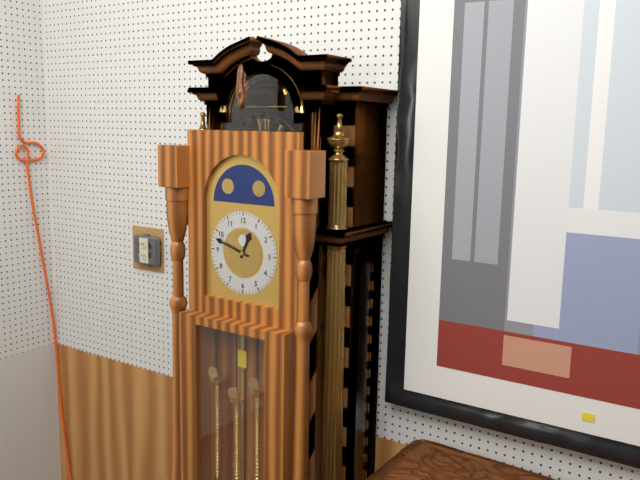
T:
12.48
